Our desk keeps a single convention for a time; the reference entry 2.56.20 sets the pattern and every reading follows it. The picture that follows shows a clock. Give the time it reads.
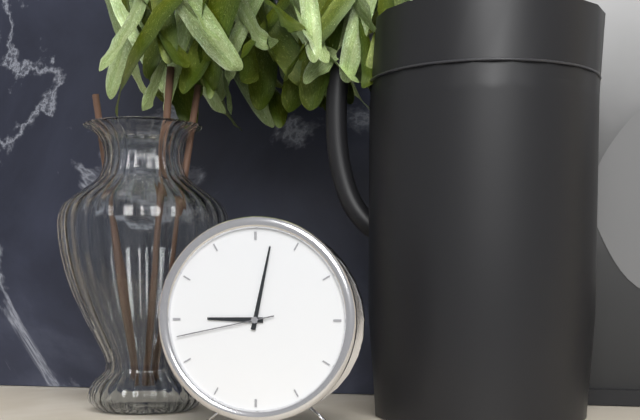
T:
9.02.43
